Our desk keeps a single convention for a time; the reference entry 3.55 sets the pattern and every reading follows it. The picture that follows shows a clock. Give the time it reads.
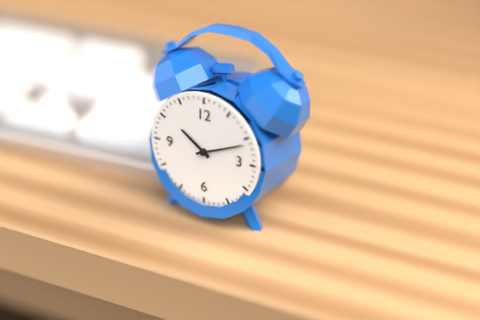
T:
10.11
